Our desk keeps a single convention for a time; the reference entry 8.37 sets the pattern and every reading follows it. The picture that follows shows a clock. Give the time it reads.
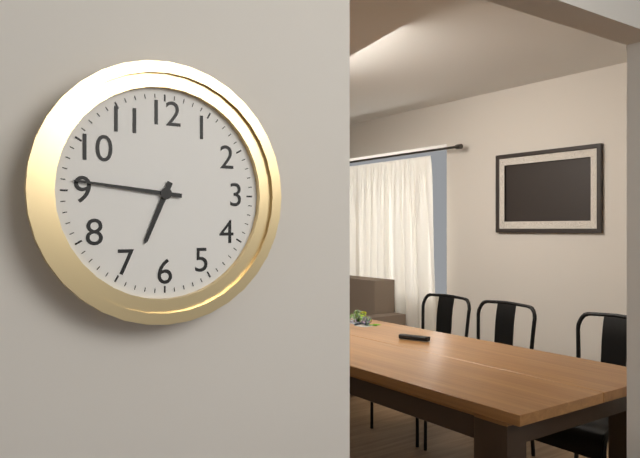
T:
6.46
